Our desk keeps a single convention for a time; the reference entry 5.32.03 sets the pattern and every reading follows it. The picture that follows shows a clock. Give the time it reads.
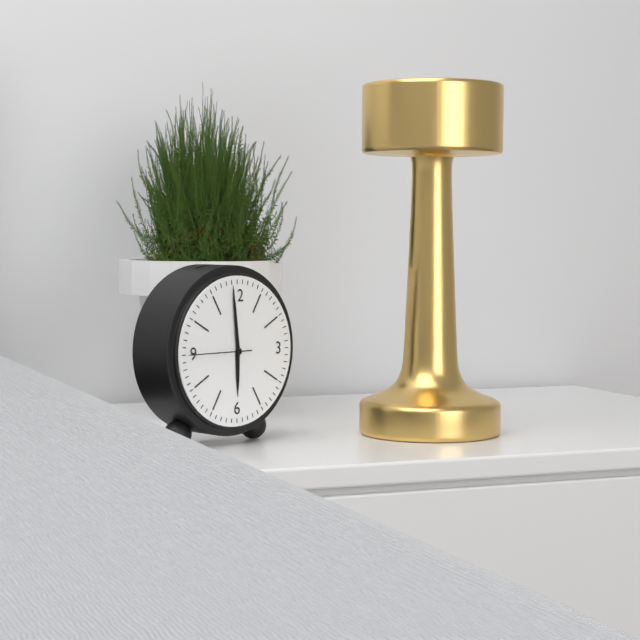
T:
5.59.45
